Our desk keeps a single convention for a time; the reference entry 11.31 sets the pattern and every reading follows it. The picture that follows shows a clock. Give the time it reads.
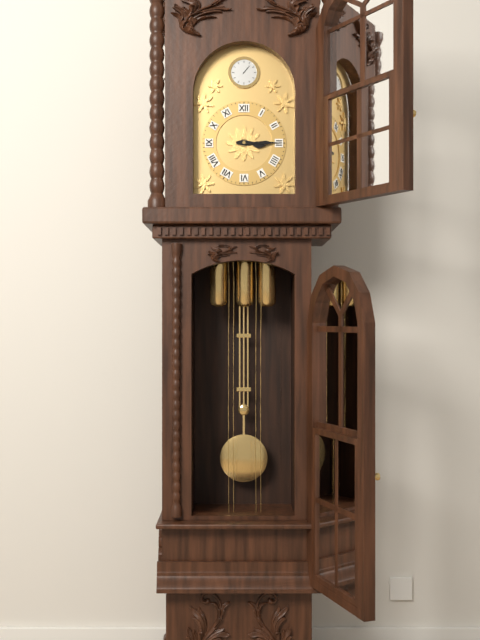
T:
3.15
